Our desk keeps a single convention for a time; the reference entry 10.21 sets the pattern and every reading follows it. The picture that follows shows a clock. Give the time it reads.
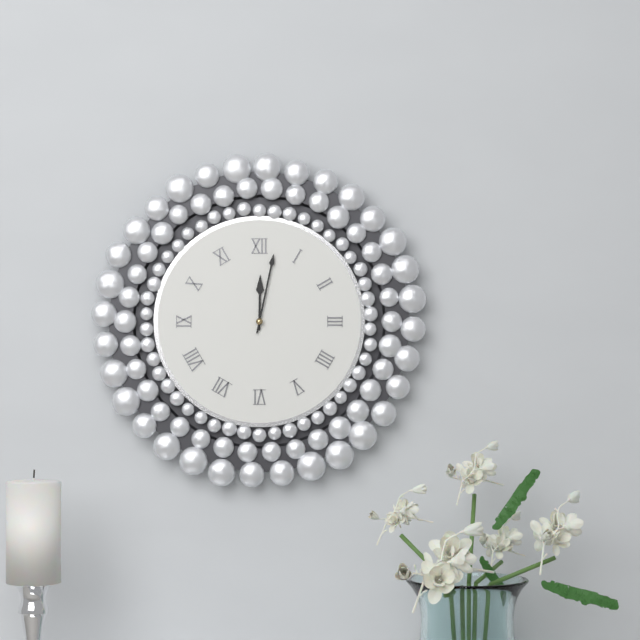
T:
12.02
